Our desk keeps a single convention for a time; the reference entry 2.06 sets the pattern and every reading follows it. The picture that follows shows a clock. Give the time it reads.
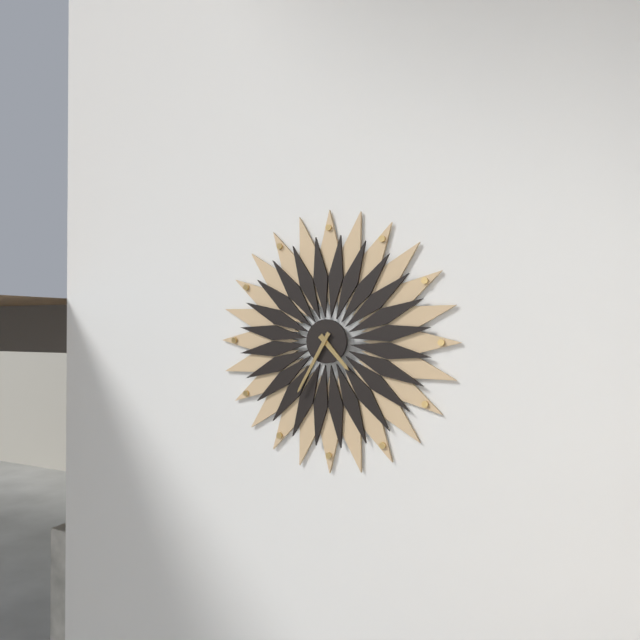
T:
4.35
